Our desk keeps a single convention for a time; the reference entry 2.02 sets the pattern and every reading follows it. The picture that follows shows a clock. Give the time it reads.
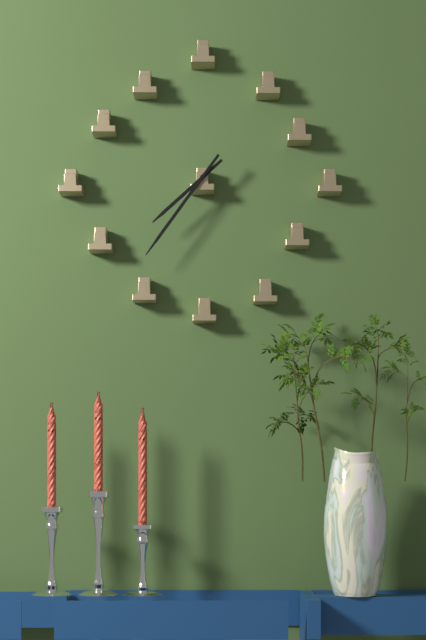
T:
7.36
